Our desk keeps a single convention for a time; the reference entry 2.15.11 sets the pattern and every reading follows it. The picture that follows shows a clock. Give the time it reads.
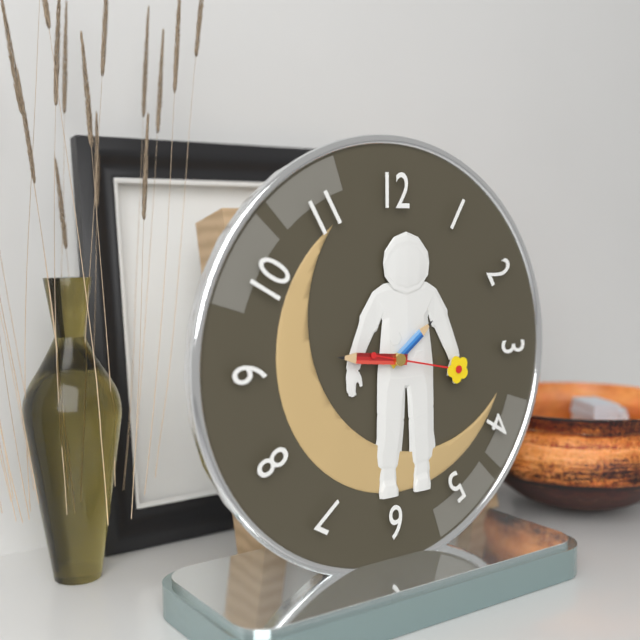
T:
1.46.17
